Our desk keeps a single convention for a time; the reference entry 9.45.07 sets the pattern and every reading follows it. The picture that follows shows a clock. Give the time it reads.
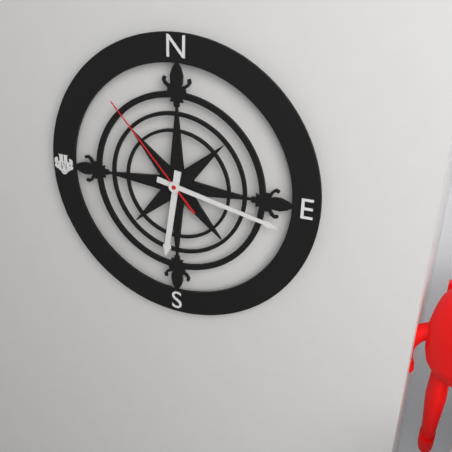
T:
6.17.53
